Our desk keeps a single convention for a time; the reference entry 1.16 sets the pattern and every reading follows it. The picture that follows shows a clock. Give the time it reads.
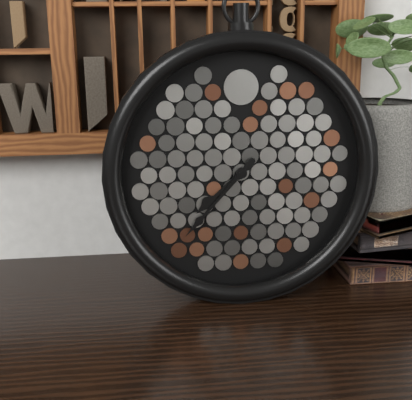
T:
7.37
